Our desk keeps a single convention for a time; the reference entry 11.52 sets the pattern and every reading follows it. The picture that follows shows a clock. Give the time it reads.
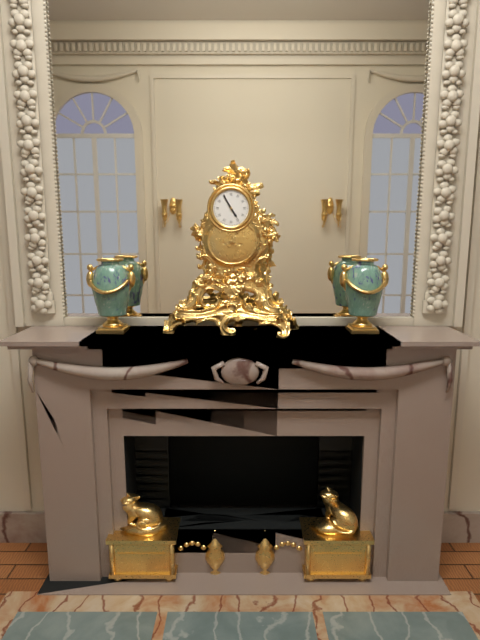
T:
4.55
